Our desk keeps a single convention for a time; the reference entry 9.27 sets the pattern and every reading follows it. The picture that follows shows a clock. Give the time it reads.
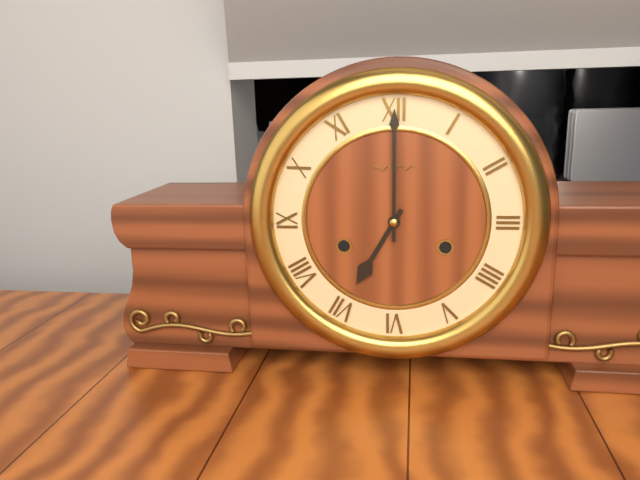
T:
7.00
